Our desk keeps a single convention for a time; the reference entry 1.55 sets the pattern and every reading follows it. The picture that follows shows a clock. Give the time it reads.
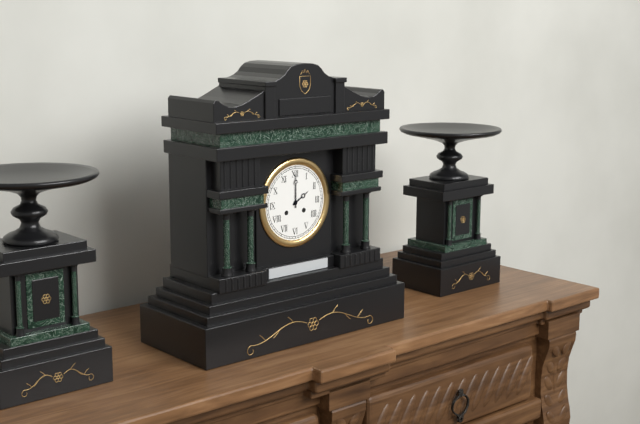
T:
2.00
